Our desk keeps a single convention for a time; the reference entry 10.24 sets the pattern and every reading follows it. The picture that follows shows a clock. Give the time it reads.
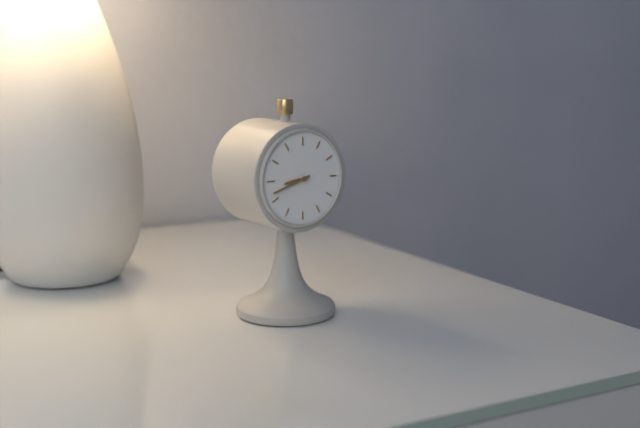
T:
8.42
